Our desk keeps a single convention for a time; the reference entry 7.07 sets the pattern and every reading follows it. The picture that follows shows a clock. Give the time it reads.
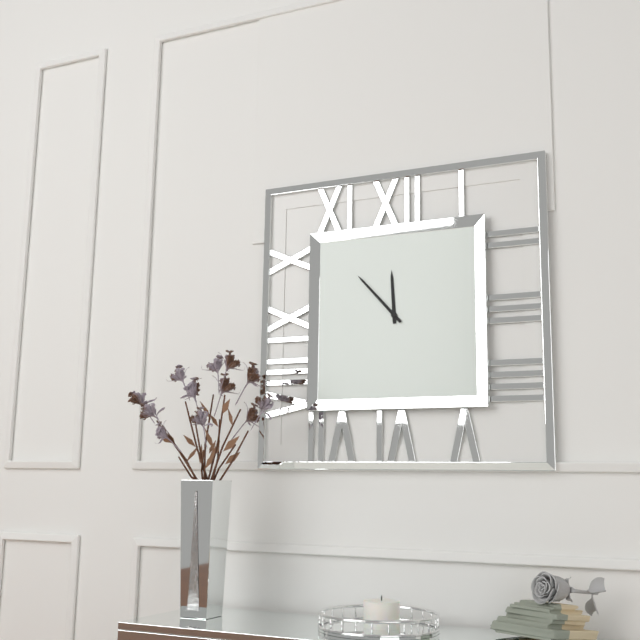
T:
11.53
